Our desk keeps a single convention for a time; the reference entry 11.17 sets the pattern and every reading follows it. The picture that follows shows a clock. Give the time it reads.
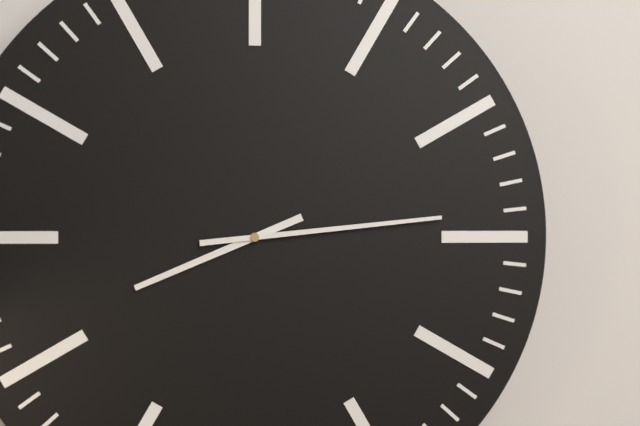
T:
8.14
